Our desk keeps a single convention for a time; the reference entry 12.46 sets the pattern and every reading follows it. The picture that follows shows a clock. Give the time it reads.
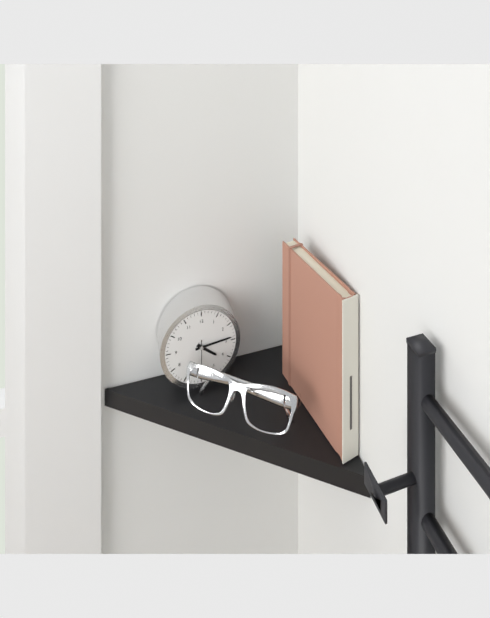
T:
4.14
